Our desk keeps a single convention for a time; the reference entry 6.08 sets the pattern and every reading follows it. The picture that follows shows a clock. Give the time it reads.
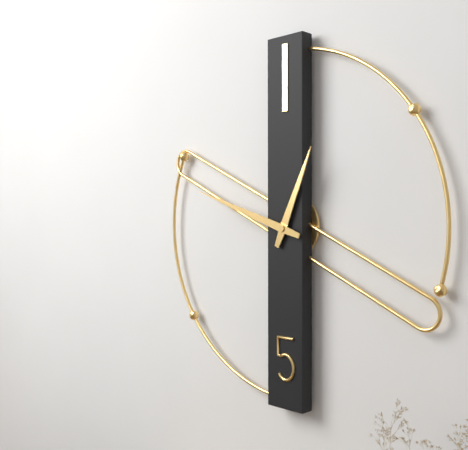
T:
12.48
